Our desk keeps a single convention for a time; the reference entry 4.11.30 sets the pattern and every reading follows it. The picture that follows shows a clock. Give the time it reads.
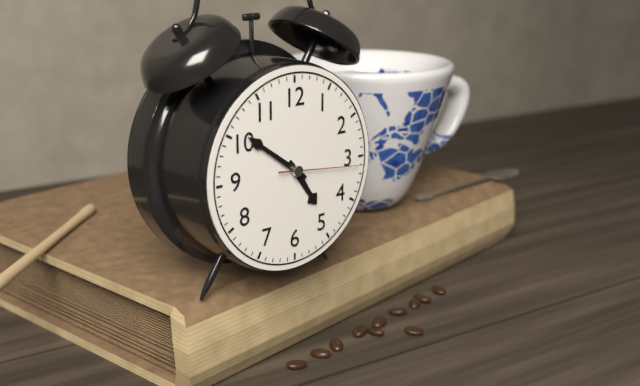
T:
4.51.16
